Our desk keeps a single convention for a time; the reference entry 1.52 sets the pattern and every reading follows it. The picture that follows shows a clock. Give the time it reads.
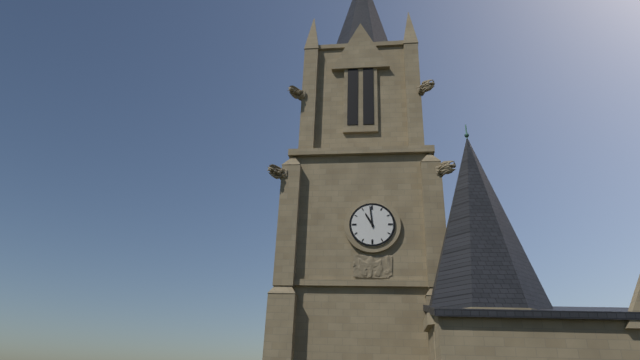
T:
10.59
